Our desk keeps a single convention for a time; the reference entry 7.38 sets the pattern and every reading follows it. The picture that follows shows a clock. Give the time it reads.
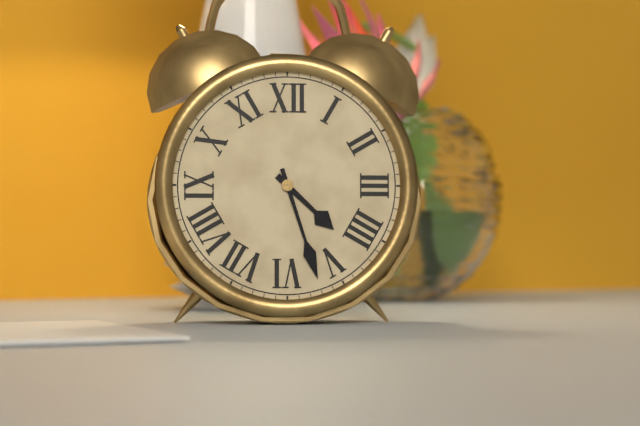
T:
4.27
